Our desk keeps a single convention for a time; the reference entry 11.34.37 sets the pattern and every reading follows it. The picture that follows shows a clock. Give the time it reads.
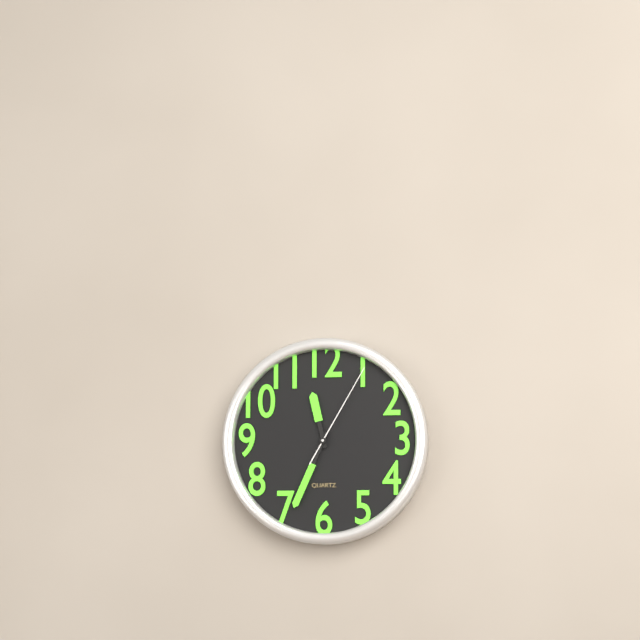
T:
11.34.05
